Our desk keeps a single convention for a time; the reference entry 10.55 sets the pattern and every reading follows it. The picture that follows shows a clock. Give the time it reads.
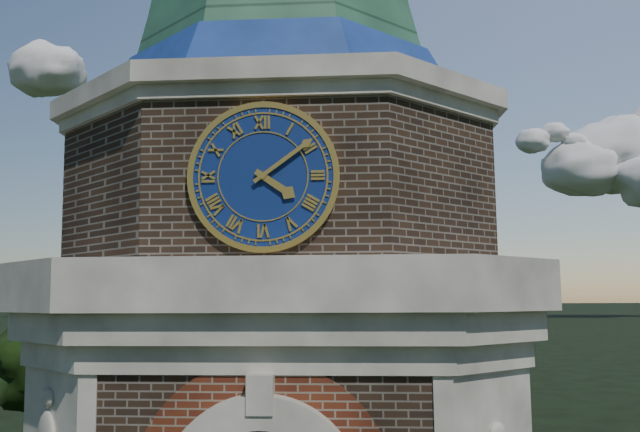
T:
4.09
